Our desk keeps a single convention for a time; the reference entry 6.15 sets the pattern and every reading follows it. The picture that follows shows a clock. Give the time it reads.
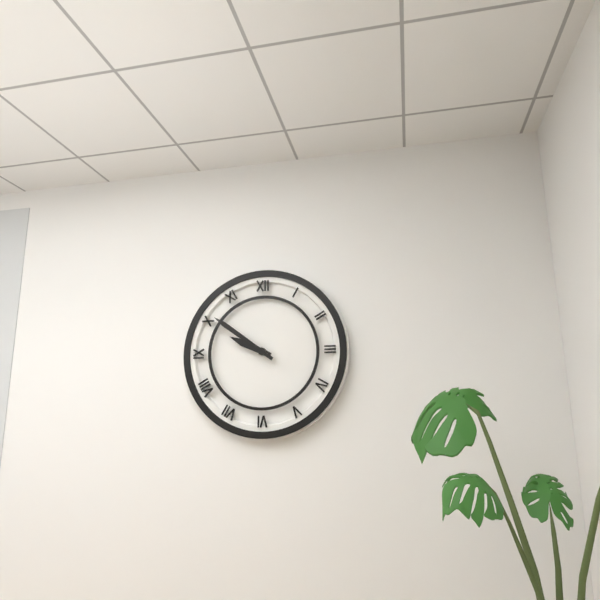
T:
9.51
